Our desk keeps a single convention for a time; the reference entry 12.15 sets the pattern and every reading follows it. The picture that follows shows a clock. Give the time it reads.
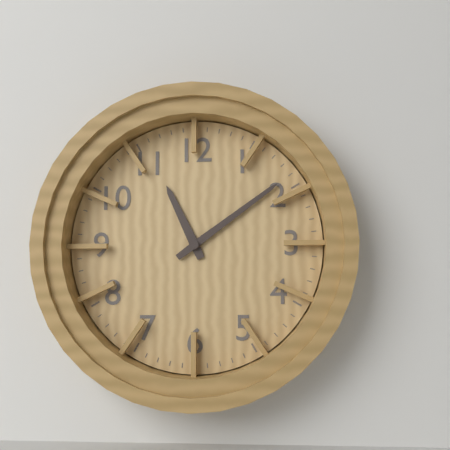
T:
11.09
